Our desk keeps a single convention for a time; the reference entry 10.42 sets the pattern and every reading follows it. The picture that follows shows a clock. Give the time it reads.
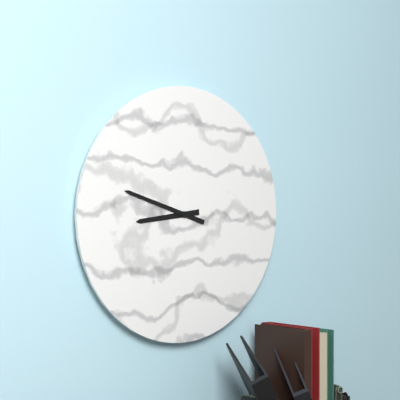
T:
8.48
